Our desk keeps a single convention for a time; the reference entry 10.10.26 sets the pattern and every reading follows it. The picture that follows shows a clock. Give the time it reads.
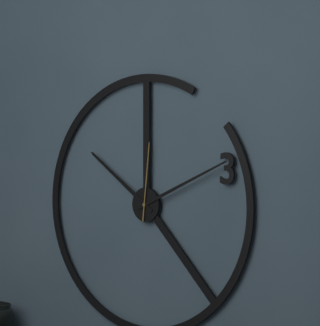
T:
10.11.01
